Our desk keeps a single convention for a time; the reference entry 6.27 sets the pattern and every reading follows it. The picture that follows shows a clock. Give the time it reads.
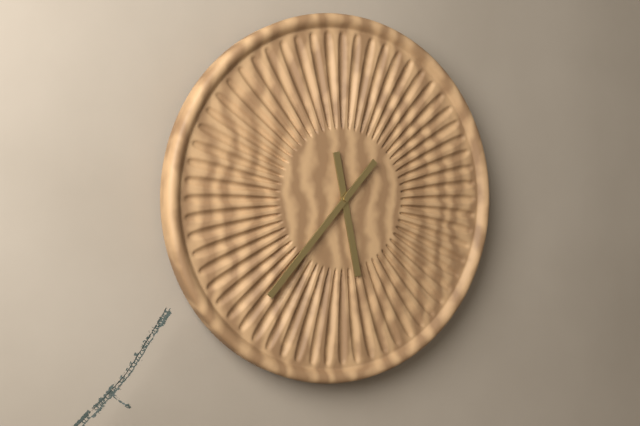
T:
5.37
